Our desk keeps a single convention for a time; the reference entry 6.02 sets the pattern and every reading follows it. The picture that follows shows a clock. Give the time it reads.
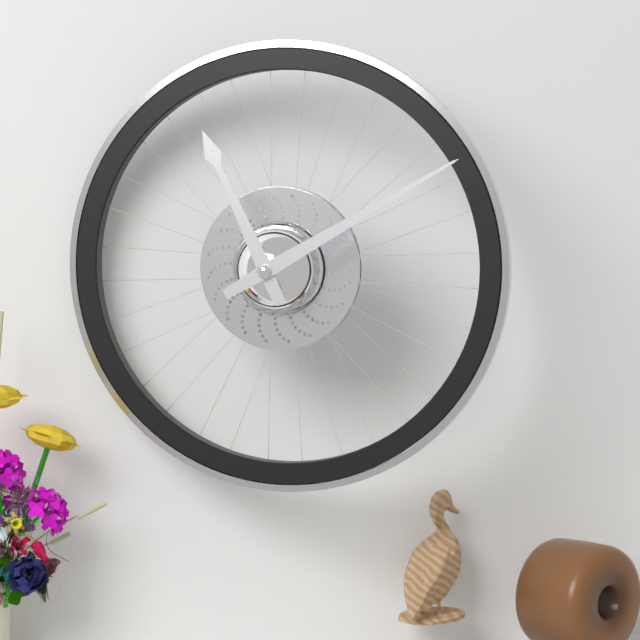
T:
11.10
